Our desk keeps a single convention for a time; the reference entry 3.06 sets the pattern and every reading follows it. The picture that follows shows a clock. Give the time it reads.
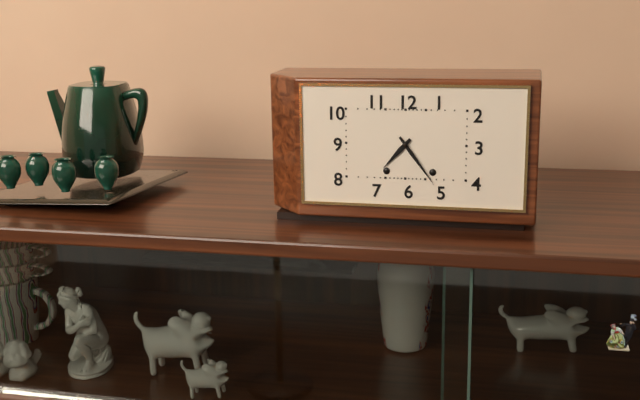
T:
7.24
